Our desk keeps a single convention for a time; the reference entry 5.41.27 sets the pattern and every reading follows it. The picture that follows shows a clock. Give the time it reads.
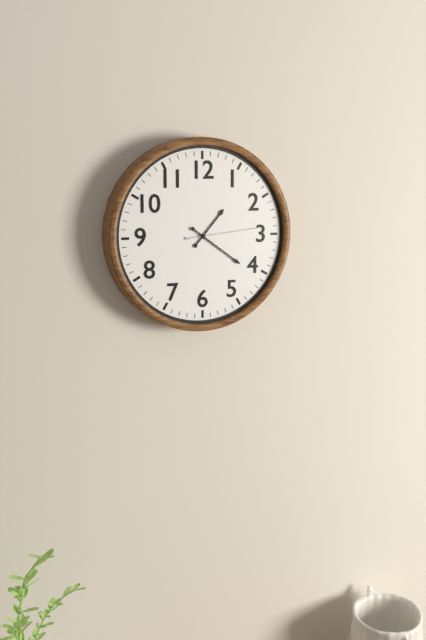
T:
1.21.14
